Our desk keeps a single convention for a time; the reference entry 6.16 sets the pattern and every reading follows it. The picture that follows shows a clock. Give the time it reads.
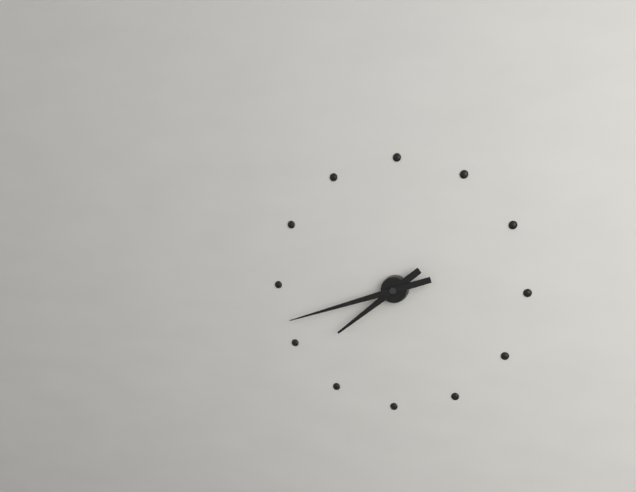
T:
7.42
